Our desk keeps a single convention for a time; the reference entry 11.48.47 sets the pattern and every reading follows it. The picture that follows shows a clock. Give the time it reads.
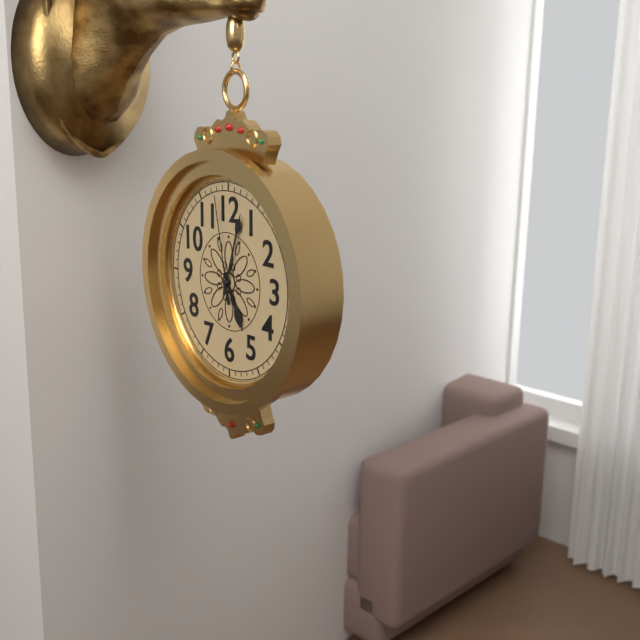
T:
5.03.58
